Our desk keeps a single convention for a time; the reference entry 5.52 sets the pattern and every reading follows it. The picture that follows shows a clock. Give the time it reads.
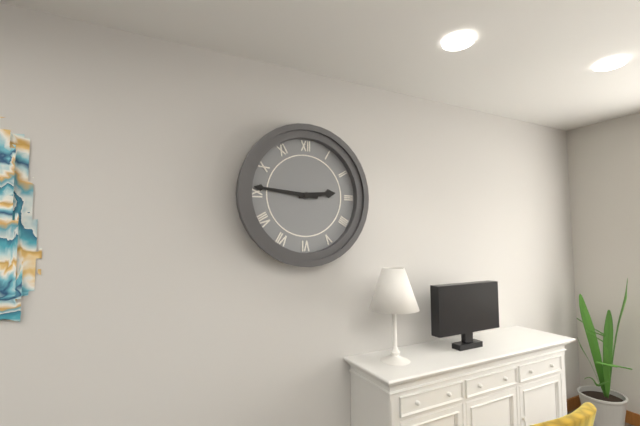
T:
2.46
